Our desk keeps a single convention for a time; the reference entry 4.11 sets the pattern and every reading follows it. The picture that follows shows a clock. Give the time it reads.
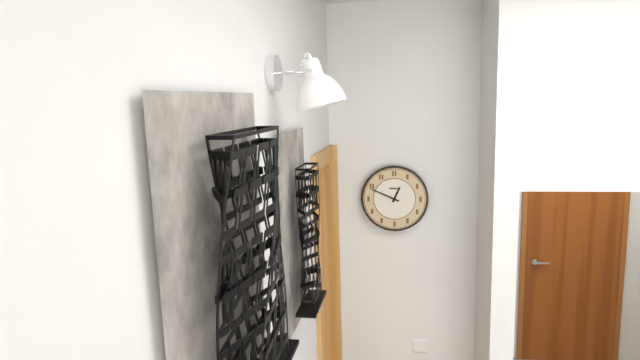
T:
12.49
